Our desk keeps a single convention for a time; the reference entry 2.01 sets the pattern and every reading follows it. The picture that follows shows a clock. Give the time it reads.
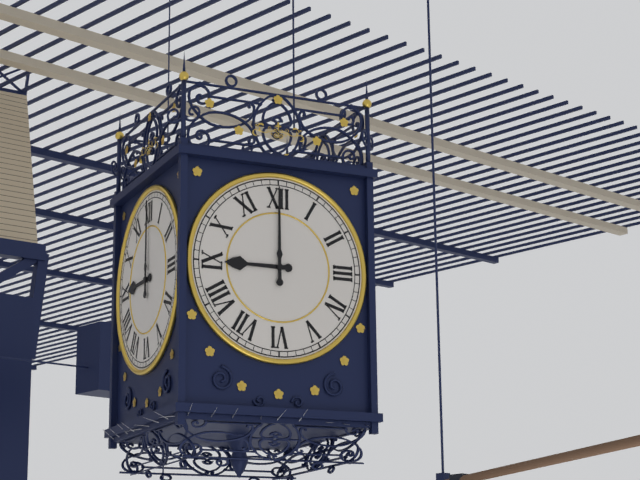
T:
9.00
